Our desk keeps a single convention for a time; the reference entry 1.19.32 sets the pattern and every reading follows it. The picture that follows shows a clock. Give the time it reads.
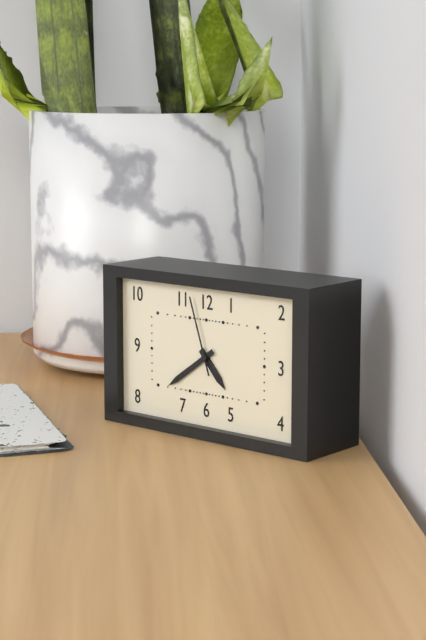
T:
4.39.57
